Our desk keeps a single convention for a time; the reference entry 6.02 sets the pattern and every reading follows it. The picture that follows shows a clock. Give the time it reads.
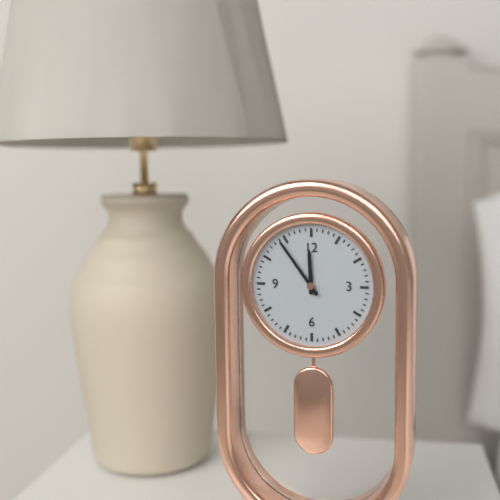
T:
11.54
